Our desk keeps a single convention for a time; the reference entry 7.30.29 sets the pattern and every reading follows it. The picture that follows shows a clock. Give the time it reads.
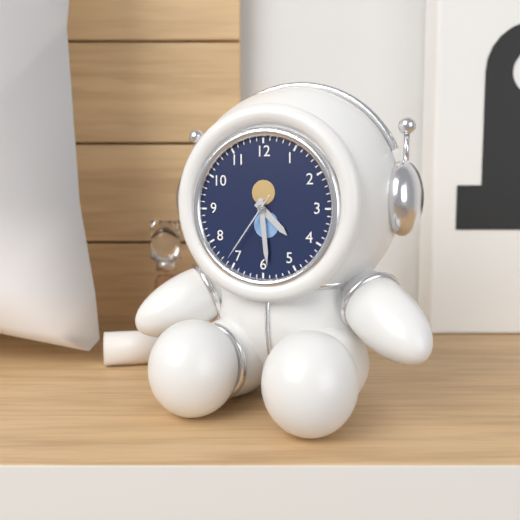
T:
4.29.36
